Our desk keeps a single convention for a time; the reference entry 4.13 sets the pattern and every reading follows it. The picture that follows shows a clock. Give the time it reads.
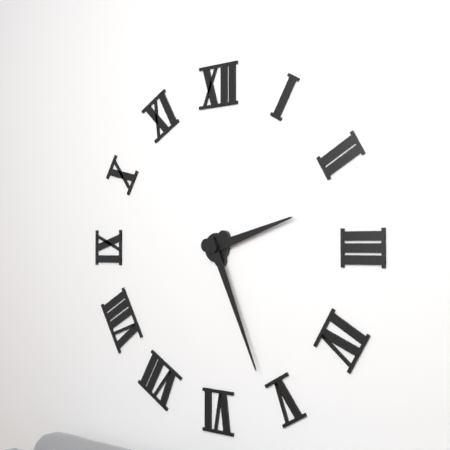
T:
2.26
